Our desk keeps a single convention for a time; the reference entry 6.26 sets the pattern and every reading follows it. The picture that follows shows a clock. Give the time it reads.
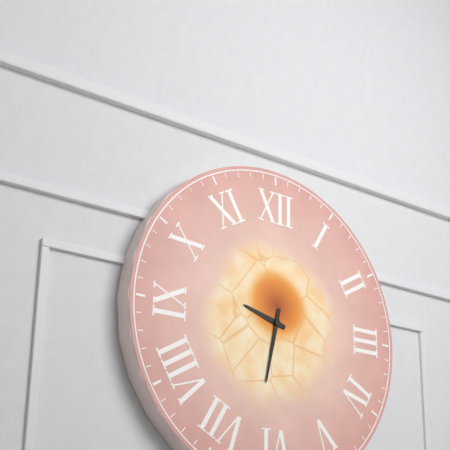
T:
9.32
